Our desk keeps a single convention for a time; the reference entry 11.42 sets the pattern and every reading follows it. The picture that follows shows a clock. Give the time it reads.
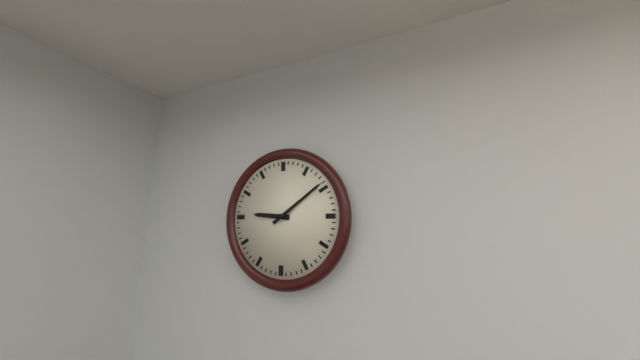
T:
9.09
